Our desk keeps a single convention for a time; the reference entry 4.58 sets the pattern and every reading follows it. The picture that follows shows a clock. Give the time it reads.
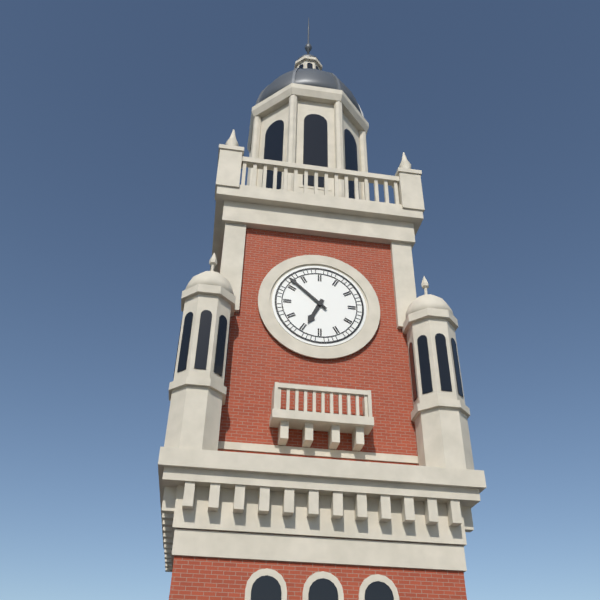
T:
6.52
